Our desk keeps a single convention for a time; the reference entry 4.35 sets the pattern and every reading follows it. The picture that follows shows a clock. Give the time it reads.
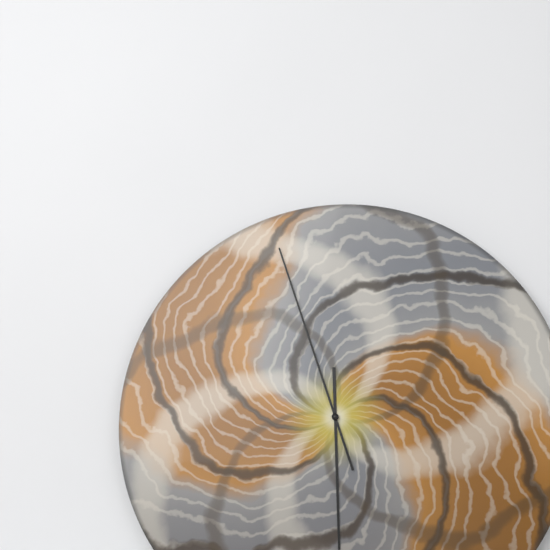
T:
5.57
